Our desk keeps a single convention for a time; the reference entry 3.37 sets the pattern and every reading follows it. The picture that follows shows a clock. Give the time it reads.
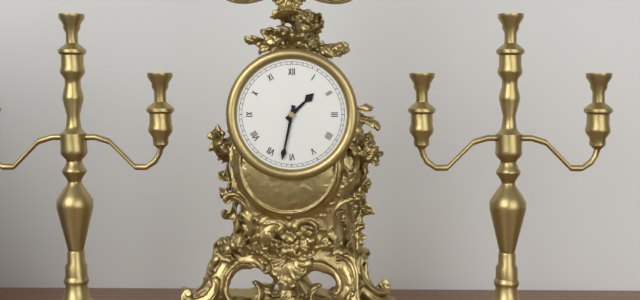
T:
1.32
